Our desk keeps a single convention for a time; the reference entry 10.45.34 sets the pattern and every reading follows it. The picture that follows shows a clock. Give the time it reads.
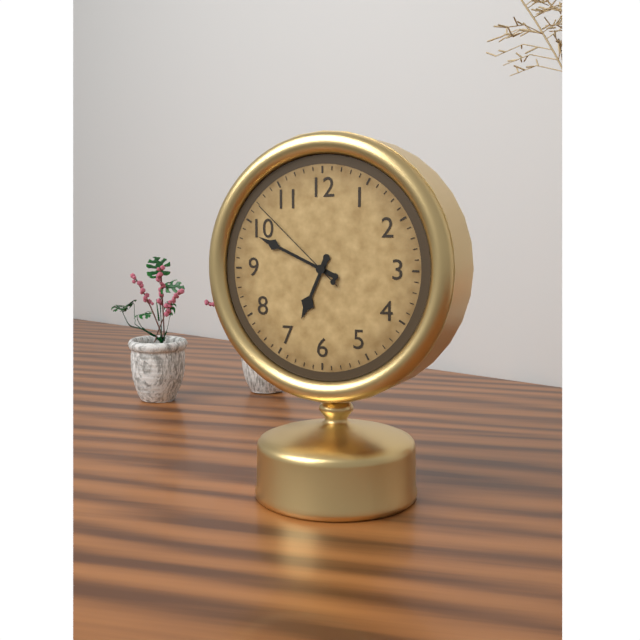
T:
6.49.52
